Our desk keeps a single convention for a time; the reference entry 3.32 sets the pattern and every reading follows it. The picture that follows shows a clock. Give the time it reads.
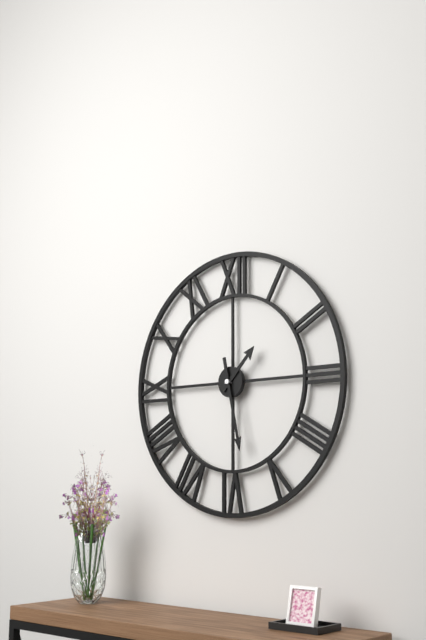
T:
1.28
